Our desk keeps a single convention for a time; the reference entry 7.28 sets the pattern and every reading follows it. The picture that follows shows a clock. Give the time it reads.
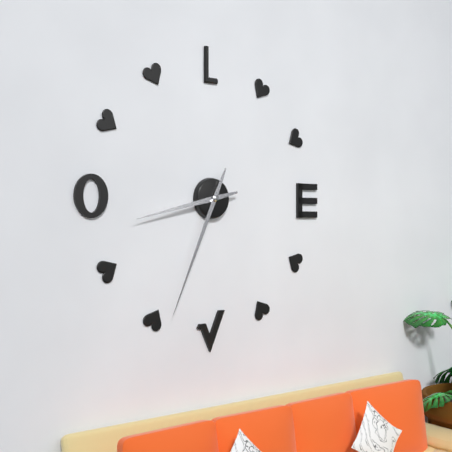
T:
8.34
